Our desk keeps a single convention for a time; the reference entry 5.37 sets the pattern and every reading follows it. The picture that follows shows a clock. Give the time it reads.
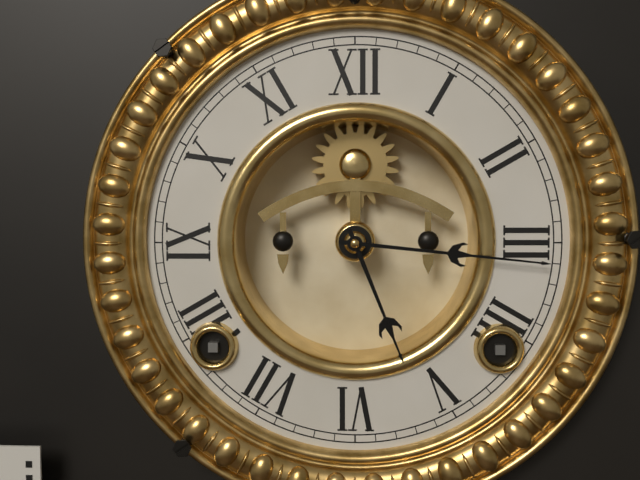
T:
5.16
